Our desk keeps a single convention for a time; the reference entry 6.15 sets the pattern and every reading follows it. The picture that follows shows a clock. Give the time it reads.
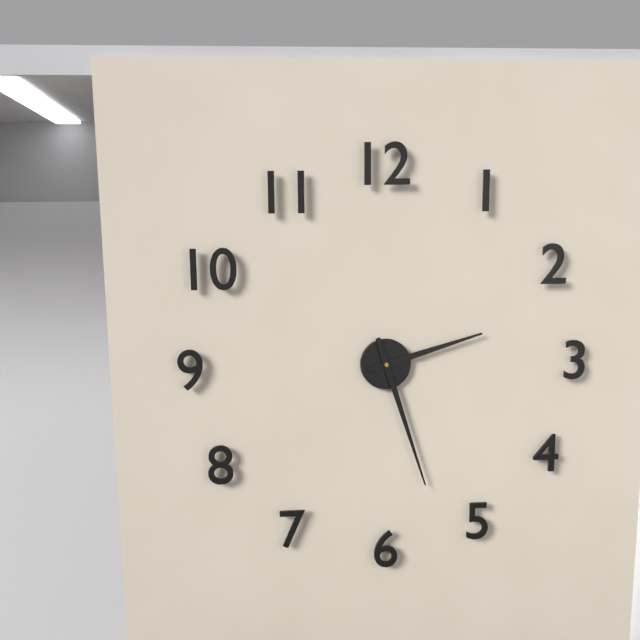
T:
2.27
